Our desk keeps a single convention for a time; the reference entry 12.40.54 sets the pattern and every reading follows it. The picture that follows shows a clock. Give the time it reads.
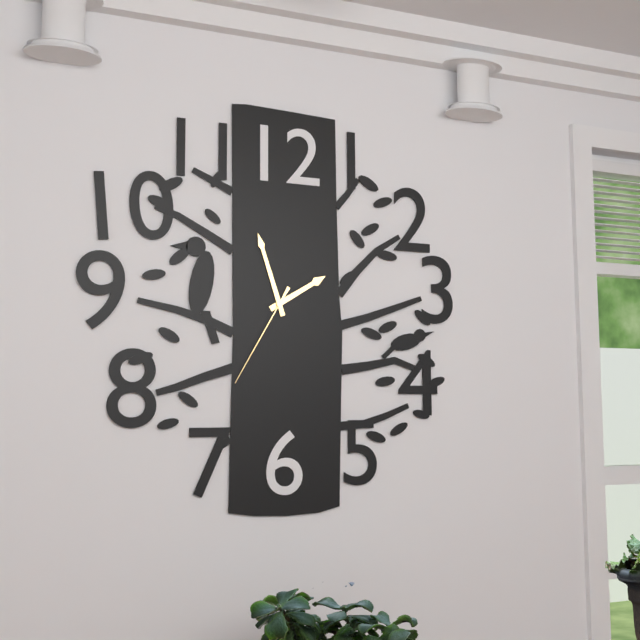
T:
1.57.35
